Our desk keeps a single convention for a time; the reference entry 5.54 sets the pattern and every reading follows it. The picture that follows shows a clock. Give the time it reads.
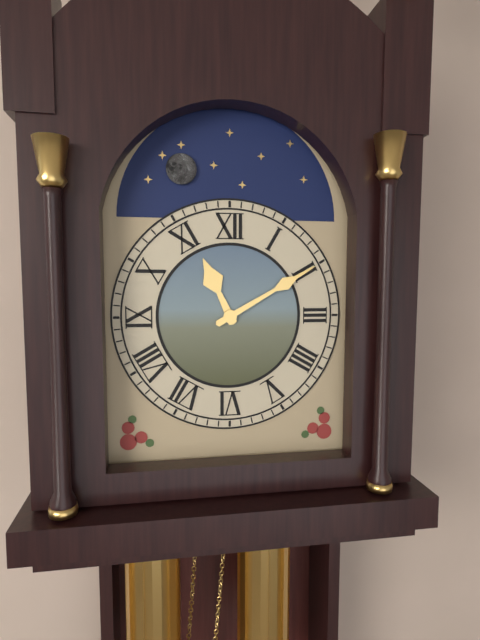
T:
11.10
